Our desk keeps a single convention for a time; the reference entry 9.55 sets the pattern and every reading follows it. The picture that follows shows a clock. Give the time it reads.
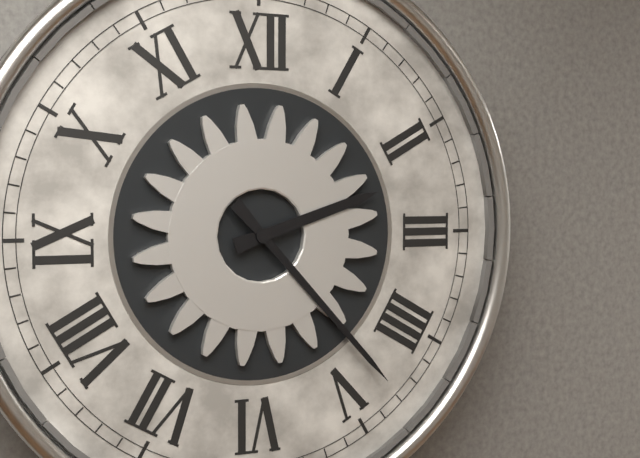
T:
2.23
